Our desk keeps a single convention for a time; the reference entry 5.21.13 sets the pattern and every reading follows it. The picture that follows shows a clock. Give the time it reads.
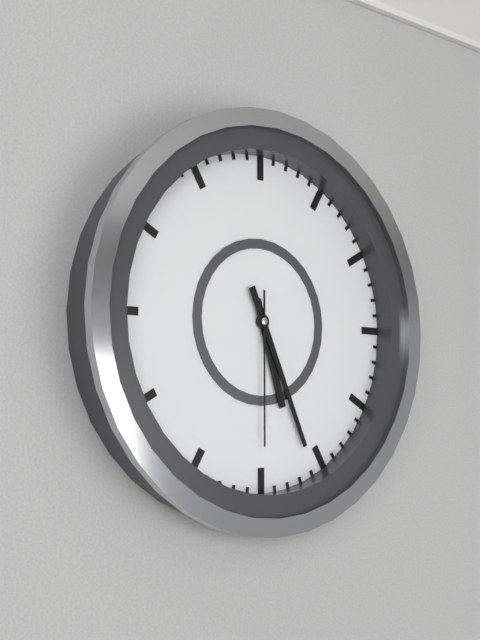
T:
5.26.30
